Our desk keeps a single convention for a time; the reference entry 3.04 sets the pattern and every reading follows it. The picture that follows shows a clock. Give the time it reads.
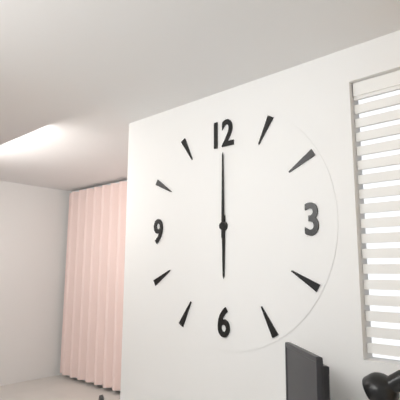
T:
6.00
